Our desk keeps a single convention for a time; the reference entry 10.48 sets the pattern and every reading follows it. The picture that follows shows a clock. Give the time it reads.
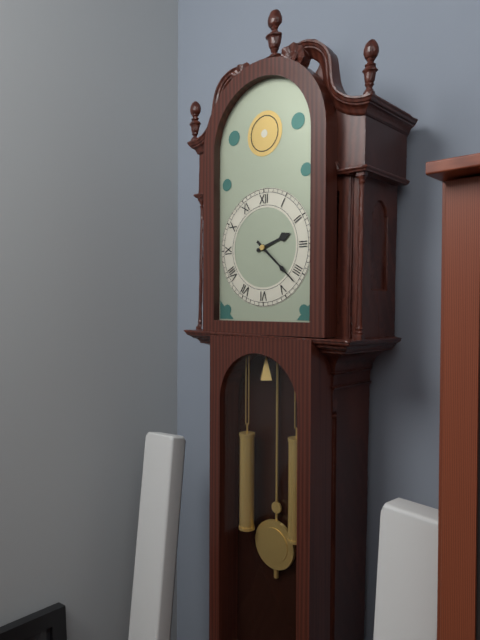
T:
2.22
